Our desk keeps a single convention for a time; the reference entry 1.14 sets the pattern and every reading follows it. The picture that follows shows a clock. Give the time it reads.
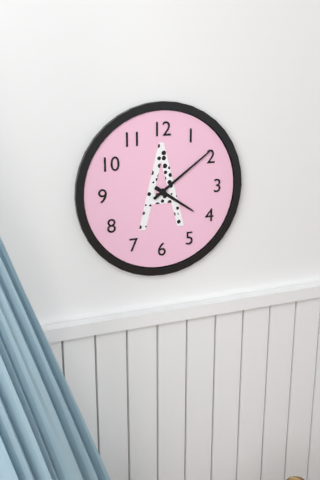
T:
4.09
